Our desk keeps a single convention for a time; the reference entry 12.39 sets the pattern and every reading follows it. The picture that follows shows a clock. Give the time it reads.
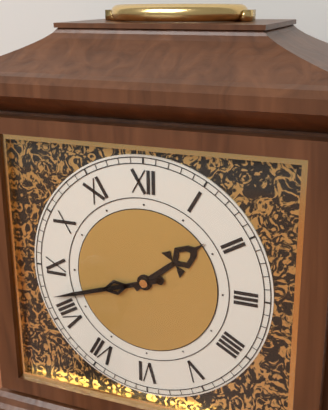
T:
1.42
